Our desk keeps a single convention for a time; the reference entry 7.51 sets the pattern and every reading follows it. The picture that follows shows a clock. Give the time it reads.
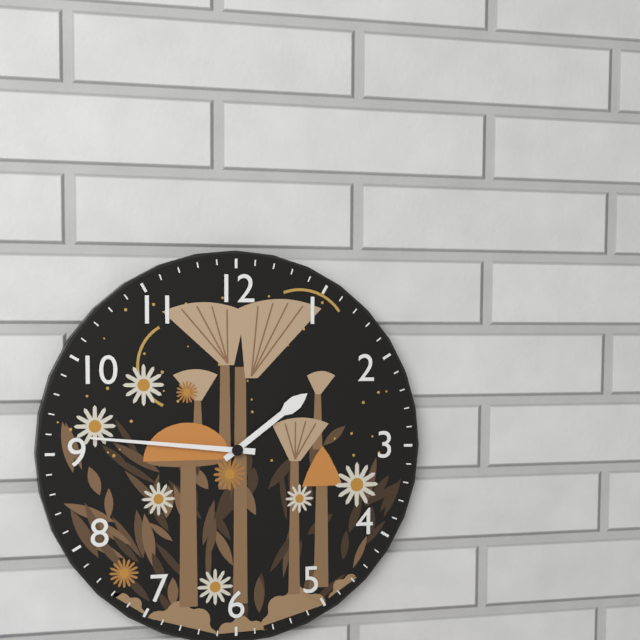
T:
1.46
